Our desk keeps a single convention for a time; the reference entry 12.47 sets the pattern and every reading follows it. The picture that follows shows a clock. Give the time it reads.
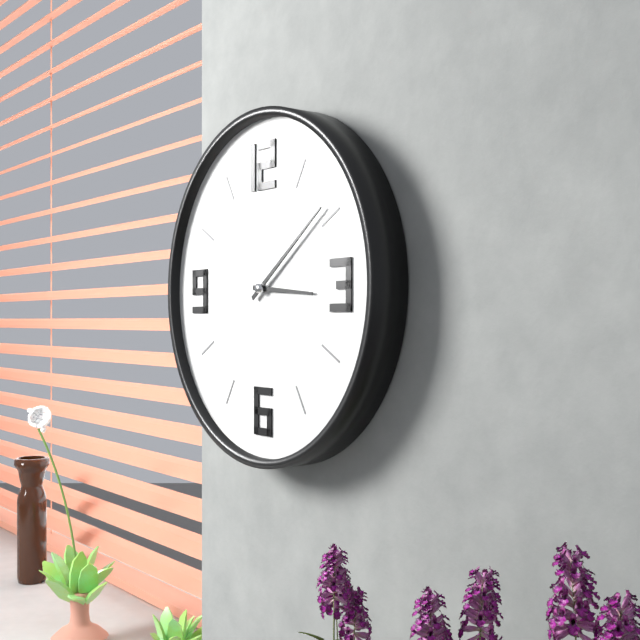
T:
3.09
